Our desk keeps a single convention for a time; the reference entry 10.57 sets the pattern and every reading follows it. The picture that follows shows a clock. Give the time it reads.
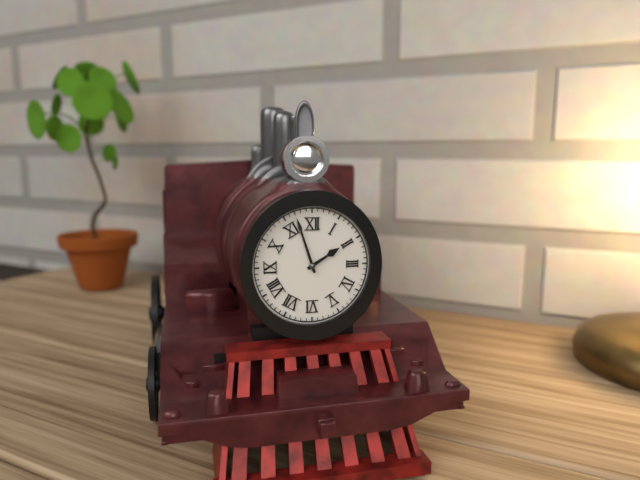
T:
1.57
